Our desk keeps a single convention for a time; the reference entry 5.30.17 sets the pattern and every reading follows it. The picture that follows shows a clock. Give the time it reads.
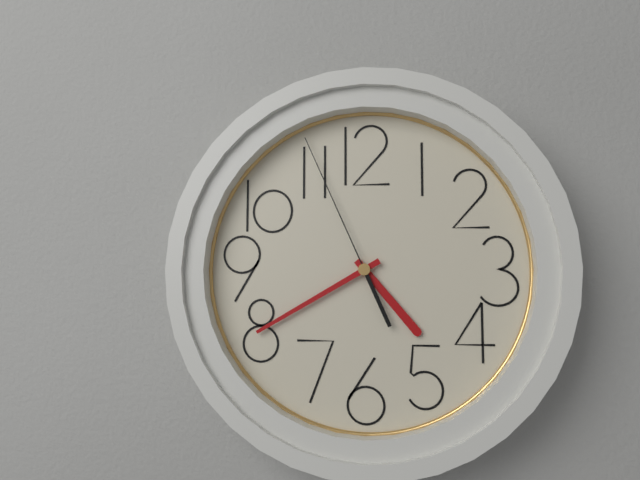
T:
4.40.56
